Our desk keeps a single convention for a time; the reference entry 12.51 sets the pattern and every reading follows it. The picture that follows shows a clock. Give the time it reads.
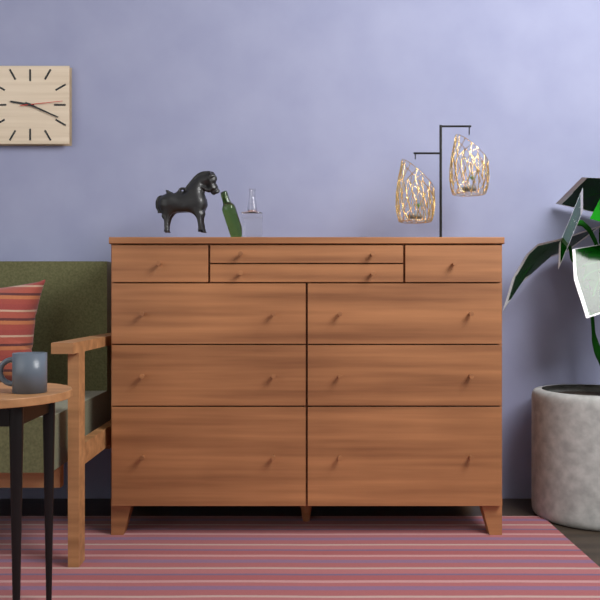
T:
9.19
